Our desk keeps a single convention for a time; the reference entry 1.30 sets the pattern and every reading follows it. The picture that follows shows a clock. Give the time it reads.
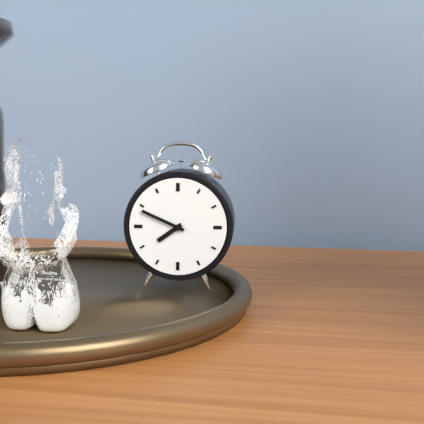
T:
7.49
